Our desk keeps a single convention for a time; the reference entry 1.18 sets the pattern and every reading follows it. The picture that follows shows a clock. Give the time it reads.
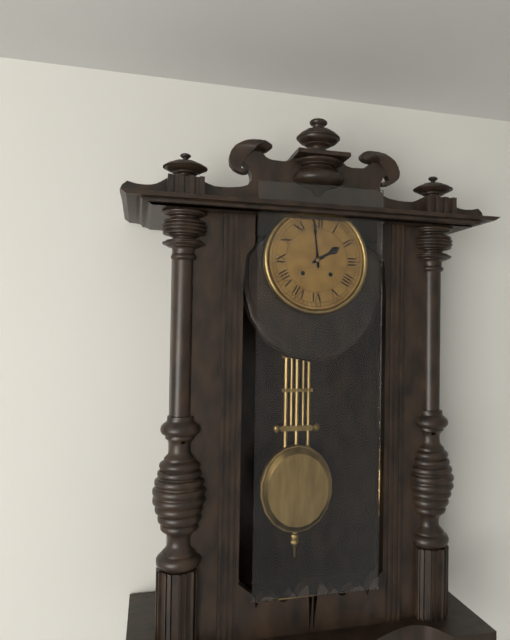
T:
1.59
